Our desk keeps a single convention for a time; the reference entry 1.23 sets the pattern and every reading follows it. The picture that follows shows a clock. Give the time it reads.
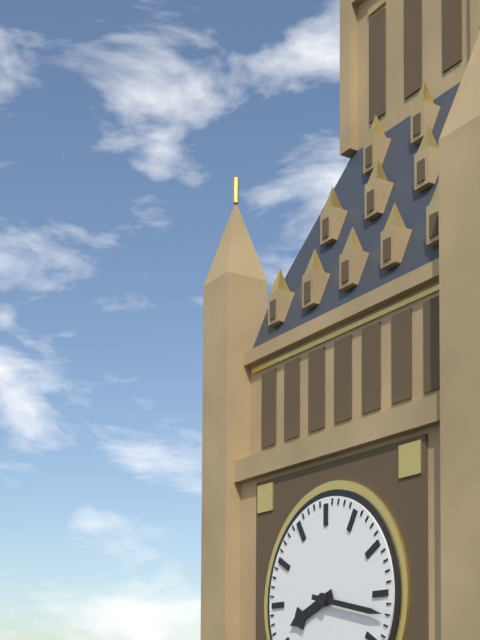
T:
8.17
